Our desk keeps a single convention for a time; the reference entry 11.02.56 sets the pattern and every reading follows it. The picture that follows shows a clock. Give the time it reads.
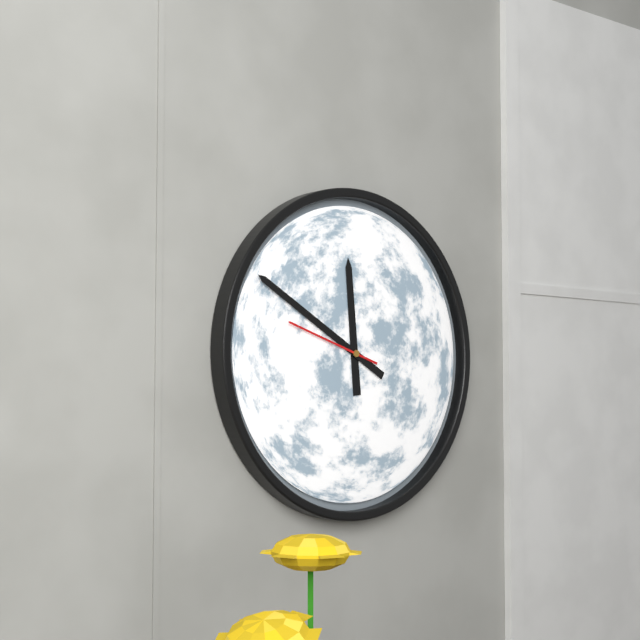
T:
11.50.48
